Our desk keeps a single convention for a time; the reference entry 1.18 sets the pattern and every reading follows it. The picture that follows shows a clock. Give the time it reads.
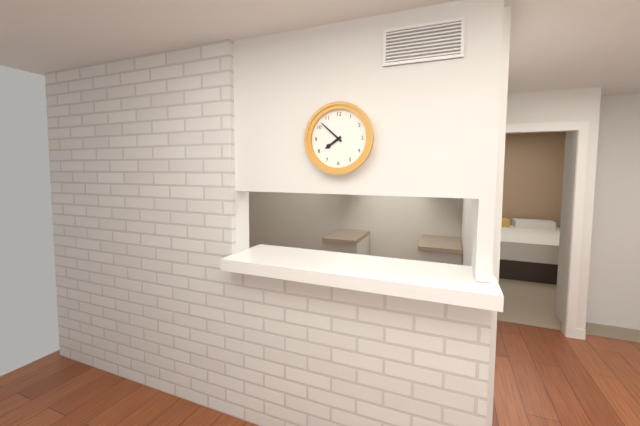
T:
7.52
